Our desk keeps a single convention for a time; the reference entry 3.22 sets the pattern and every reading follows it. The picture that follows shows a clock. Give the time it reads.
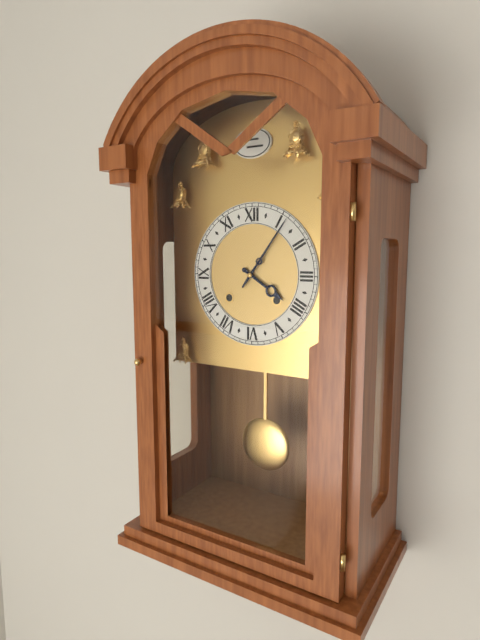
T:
4.06
